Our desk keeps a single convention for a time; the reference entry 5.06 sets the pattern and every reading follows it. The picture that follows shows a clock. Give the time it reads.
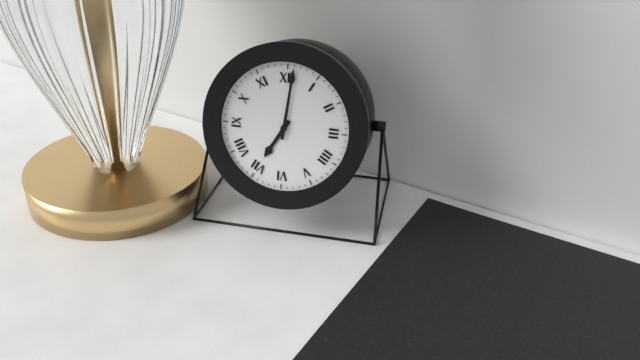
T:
7.01
